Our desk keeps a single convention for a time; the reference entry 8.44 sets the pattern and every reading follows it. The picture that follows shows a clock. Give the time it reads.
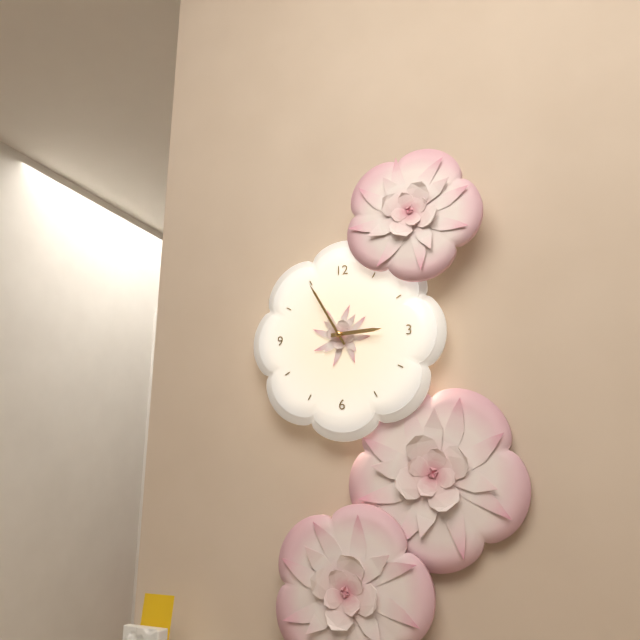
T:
2.55
